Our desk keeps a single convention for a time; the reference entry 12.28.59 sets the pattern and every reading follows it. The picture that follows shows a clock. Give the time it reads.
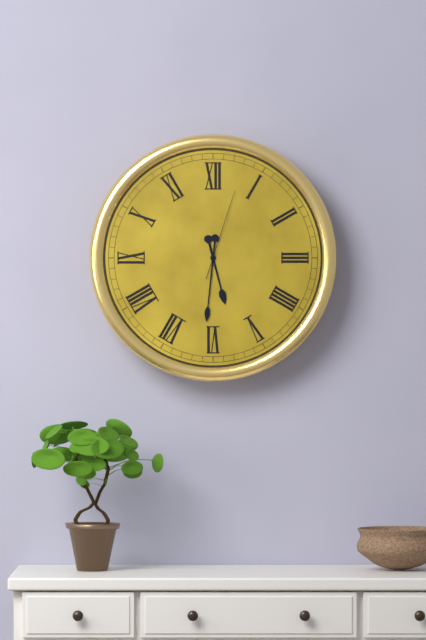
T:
5.31.03
